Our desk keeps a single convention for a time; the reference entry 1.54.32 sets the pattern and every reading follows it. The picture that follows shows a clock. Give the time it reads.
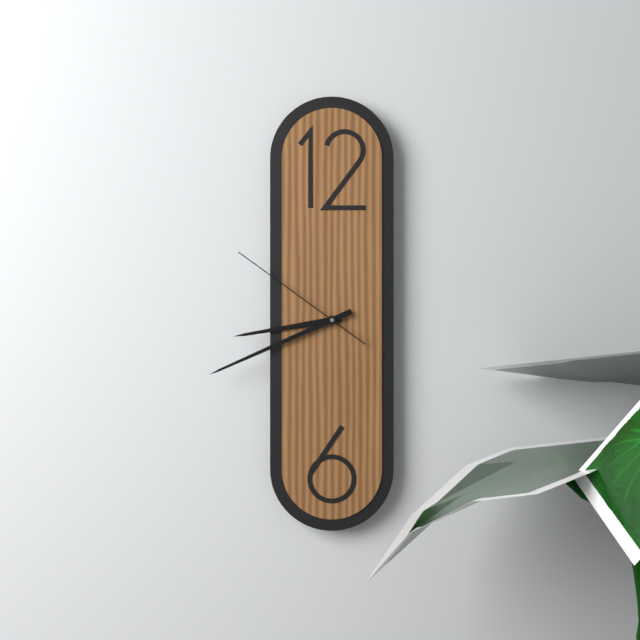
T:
8.41.51
